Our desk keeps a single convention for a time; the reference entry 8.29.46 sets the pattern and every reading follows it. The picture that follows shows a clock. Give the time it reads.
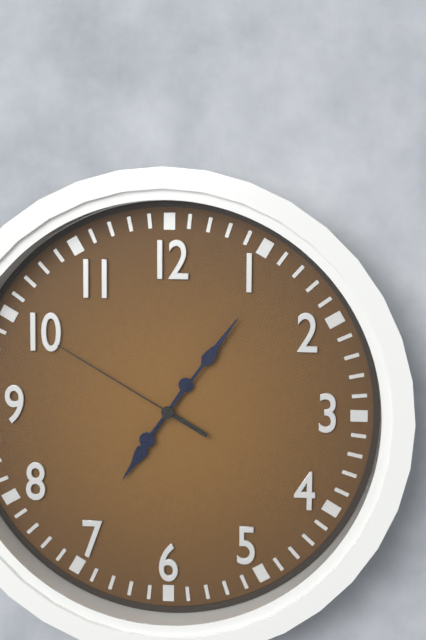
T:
7.06.50
